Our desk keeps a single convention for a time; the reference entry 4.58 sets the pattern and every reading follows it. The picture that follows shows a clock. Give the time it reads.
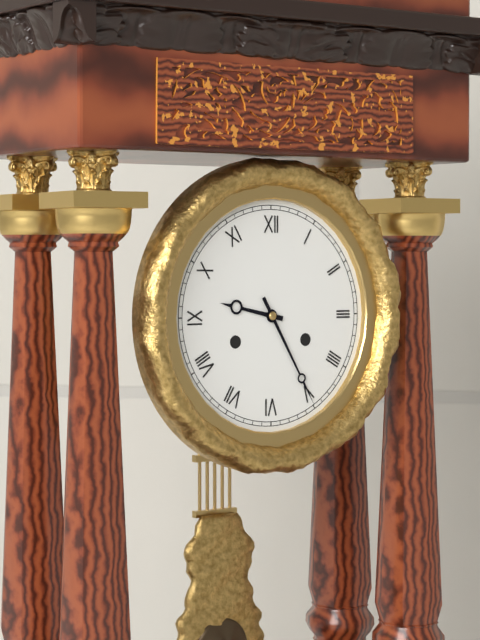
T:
9.25
